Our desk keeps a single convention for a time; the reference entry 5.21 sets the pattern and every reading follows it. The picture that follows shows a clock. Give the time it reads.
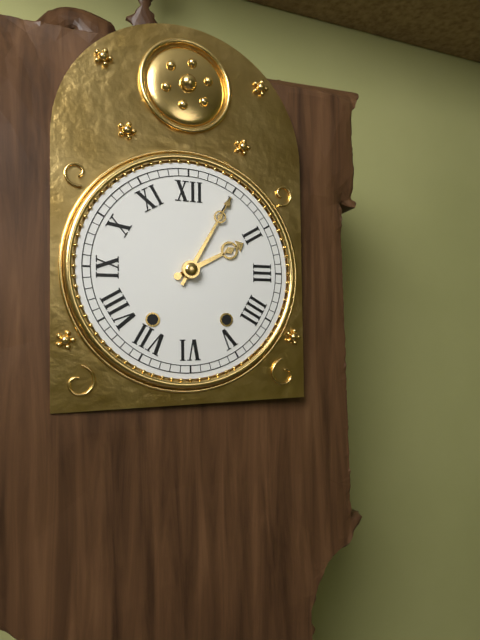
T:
2.05
